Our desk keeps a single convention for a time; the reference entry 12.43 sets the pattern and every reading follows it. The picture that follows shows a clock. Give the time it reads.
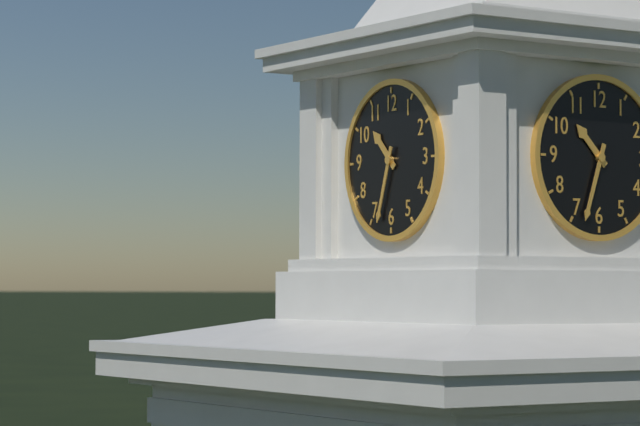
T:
10.33
